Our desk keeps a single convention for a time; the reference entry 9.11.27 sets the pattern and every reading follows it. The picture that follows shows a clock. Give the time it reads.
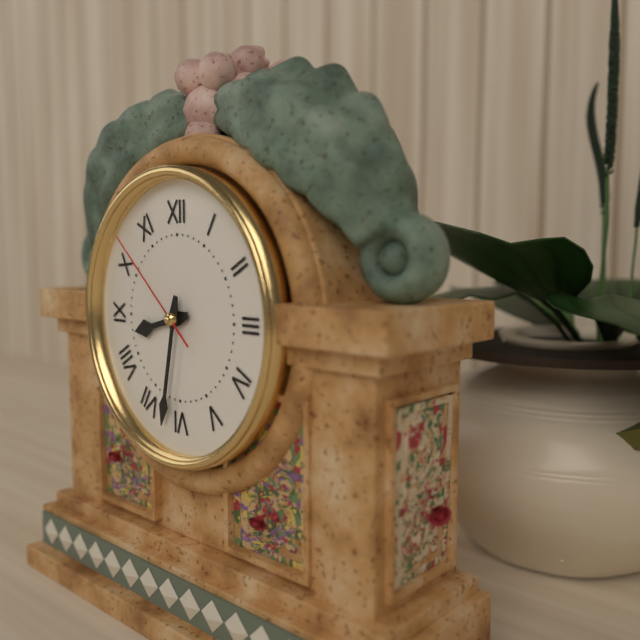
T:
8.32.52
